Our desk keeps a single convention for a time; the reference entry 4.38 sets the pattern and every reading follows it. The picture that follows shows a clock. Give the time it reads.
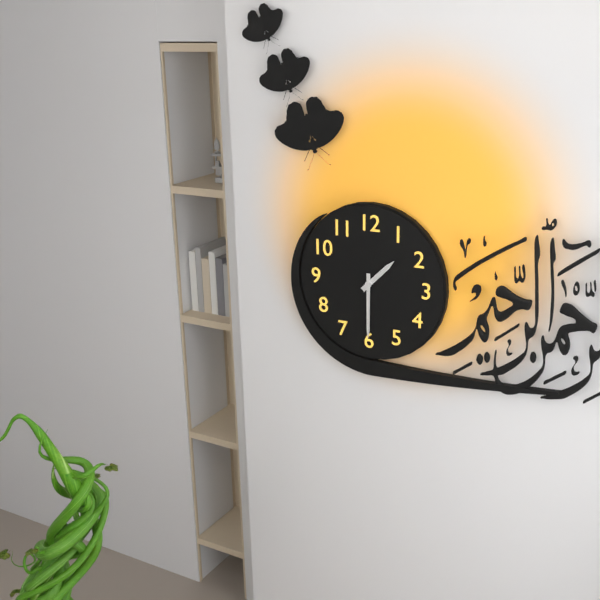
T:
1.30
